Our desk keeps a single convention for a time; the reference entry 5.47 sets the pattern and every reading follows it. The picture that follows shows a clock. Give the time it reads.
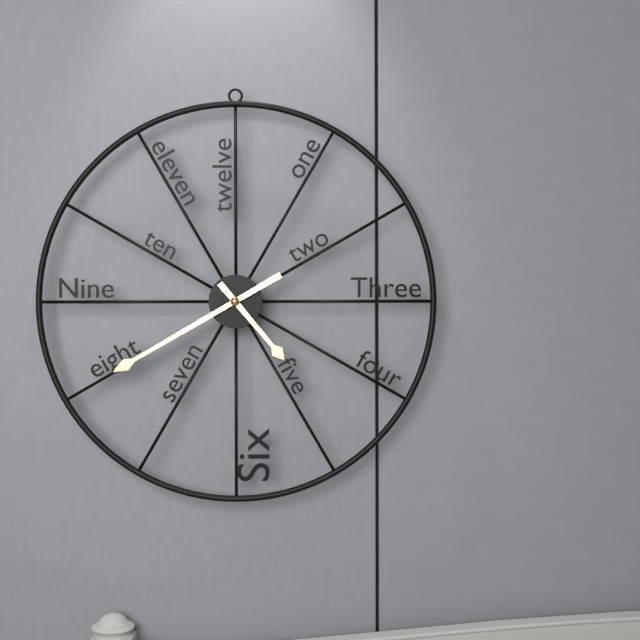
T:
4.40
